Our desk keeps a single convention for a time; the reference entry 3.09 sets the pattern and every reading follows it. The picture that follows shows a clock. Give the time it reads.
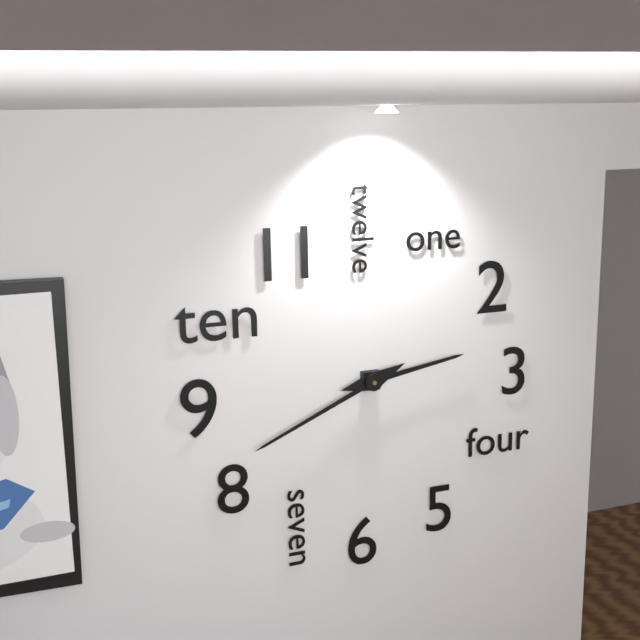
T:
2.41
